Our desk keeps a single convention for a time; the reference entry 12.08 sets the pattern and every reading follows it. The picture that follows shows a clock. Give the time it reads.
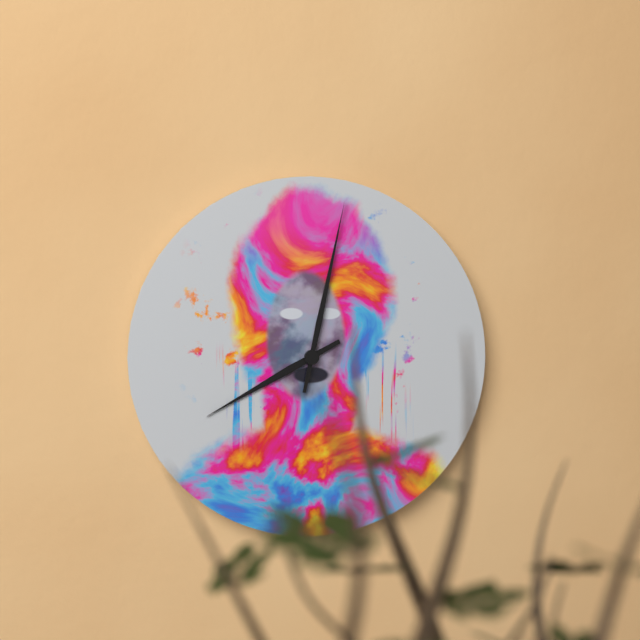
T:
8.02
